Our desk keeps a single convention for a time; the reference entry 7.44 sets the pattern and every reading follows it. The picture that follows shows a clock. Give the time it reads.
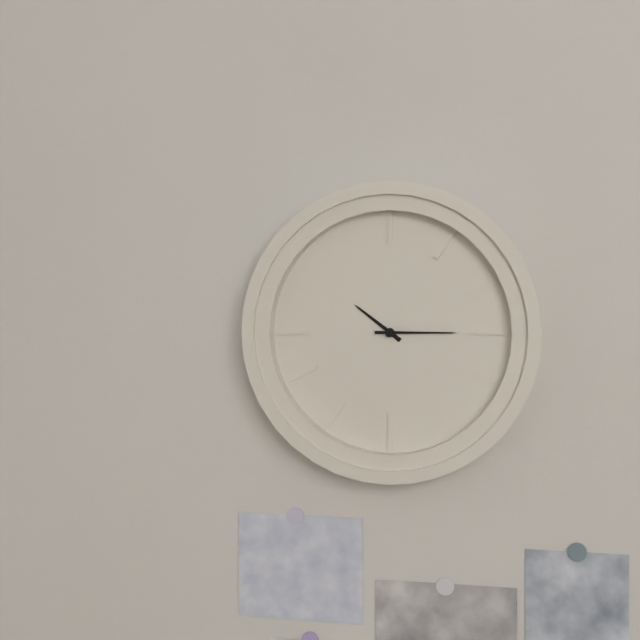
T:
10.15
